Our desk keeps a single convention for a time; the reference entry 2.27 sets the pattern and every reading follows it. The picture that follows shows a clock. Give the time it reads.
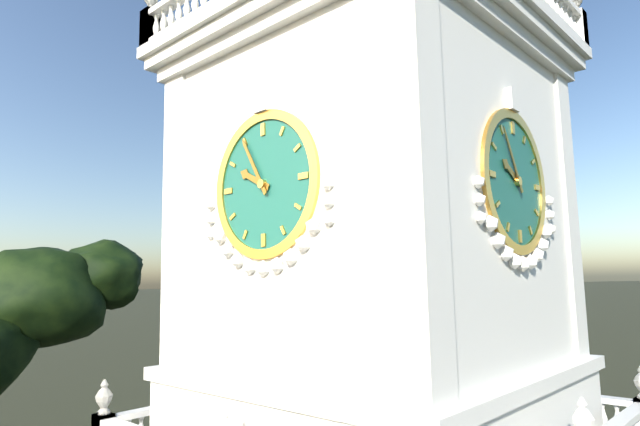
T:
9.55
